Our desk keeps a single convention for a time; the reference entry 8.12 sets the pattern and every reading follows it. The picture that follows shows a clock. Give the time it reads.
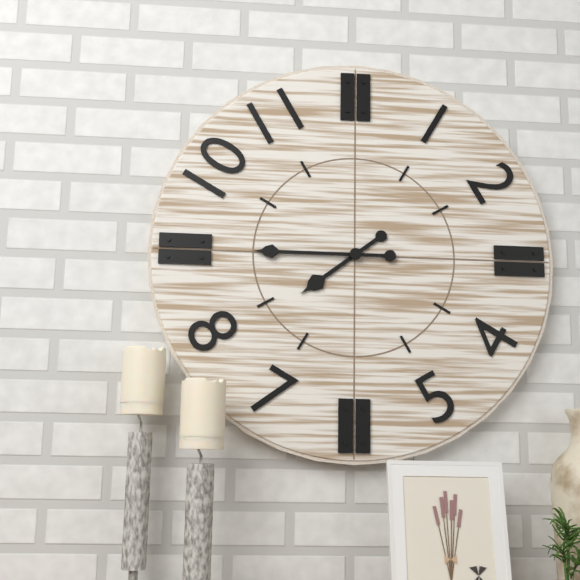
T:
7.45
